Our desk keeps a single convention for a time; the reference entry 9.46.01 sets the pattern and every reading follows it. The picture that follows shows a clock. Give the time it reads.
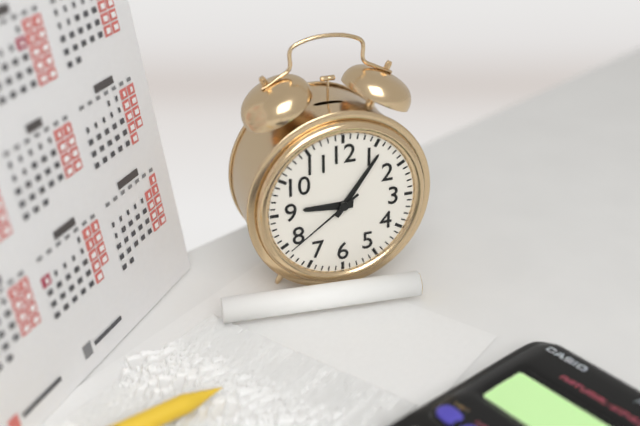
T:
9.06.39
